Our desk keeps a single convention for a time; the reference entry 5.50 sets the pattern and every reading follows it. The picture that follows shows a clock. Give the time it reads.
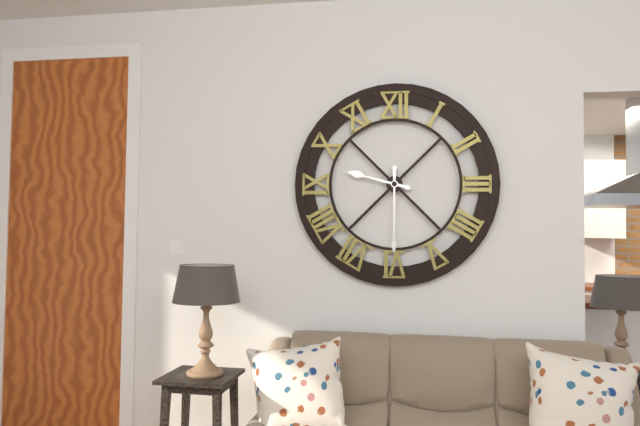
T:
9.30
